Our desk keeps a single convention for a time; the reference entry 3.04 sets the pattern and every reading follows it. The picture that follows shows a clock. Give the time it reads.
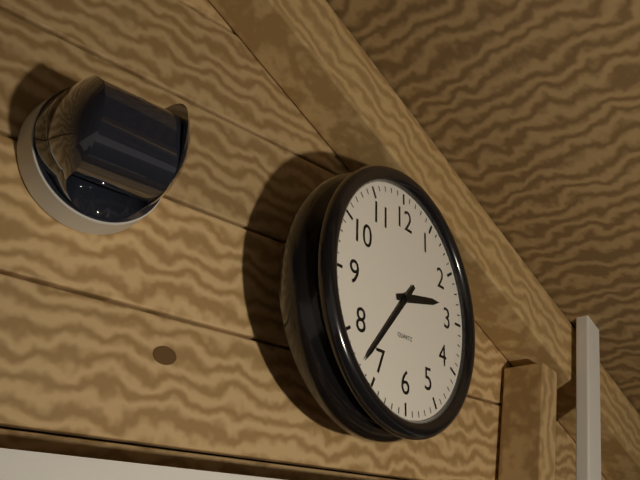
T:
2.37
